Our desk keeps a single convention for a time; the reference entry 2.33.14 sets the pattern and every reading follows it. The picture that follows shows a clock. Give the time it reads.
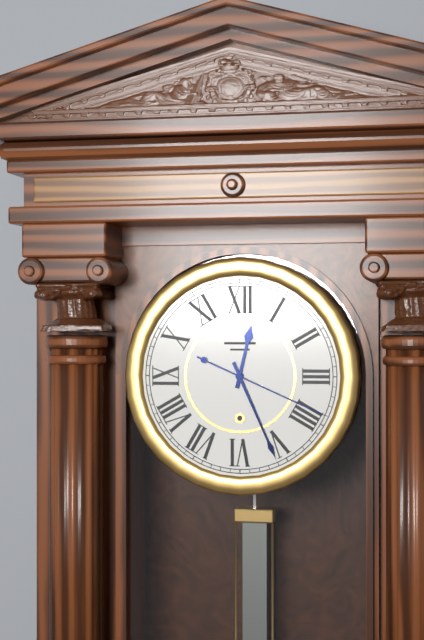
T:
12.26.19
